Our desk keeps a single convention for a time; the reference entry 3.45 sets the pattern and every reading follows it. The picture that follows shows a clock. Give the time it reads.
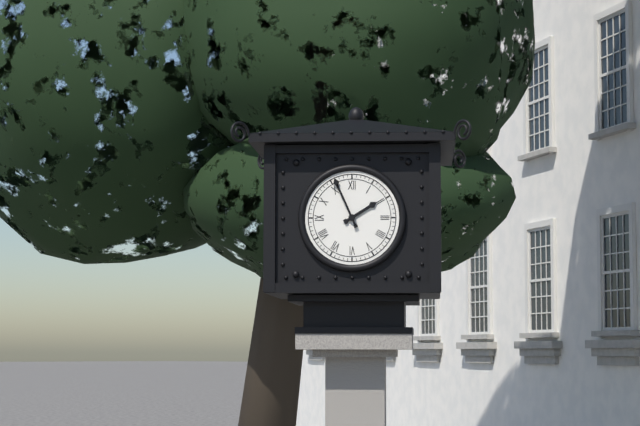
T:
1.56
